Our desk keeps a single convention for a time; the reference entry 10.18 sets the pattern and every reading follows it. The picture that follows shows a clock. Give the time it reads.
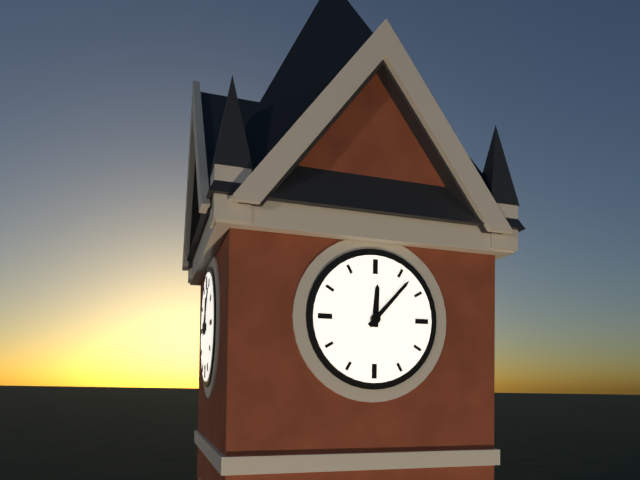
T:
12.07
